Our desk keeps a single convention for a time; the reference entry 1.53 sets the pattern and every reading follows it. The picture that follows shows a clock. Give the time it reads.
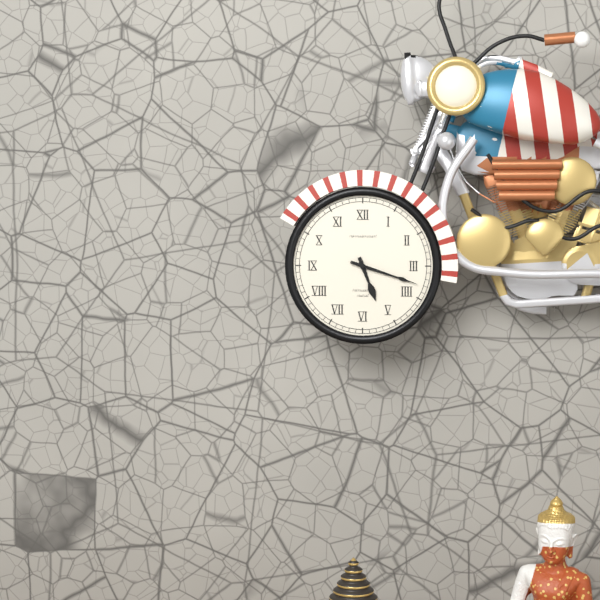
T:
5.18
